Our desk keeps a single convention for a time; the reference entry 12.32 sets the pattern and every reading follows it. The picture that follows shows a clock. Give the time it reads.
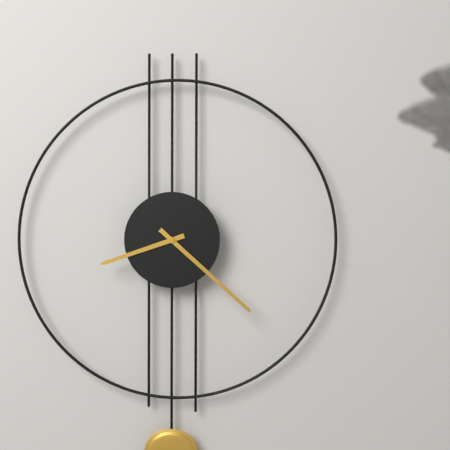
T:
8.22
